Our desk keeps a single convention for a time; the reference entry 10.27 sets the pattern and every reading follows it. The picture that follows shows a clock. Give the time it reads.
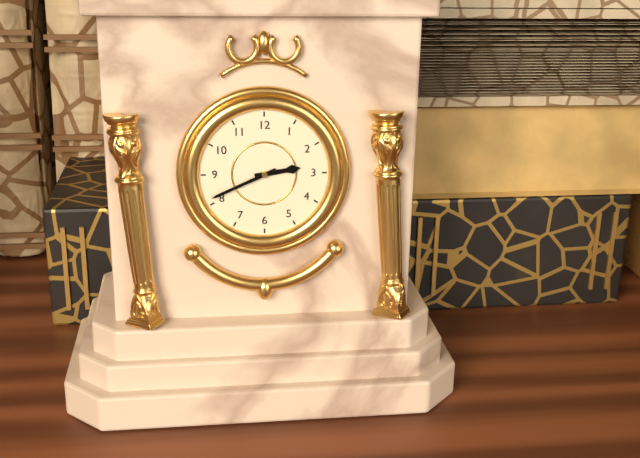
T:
2.41
